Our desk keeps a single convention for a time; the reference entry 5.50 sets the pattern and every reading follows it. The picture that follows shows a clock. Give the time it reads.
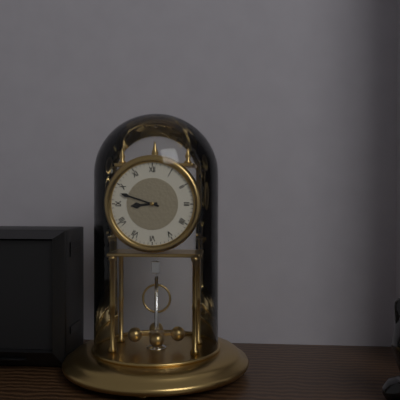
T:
8.48
